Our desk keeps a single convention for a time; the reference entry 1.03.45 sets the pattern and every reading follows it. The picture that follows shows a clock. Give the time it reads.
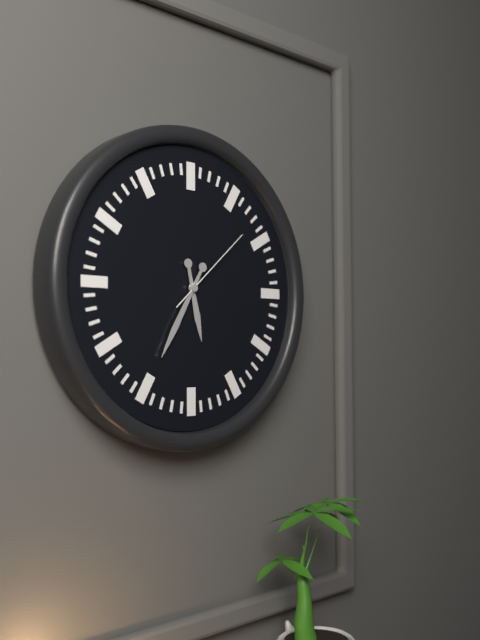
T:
5.35.08
